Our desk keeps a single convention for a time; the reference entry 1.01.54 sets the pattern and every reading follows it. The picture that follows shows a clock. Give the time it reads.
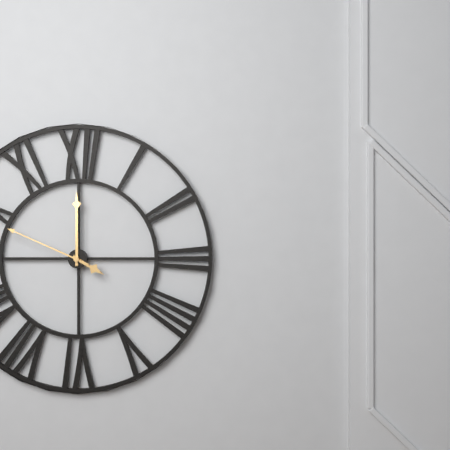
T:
4.00.49
